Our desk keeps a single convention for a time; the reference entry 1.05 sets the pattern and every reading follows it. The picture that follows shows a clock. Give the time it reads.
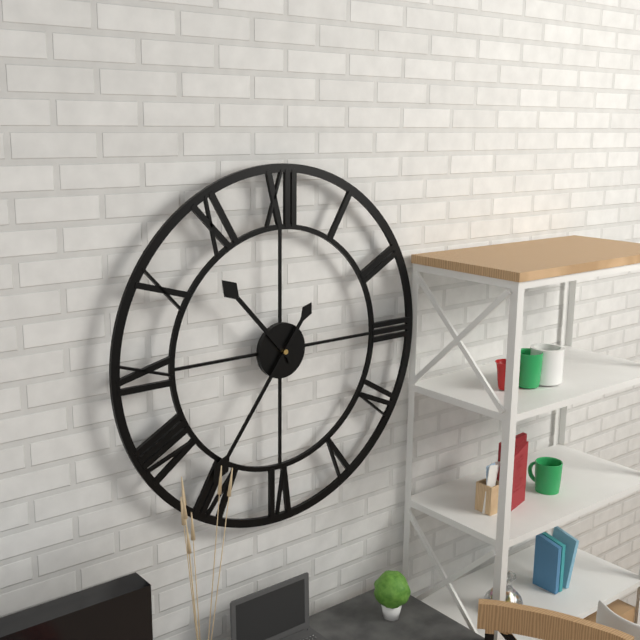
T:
10.36
